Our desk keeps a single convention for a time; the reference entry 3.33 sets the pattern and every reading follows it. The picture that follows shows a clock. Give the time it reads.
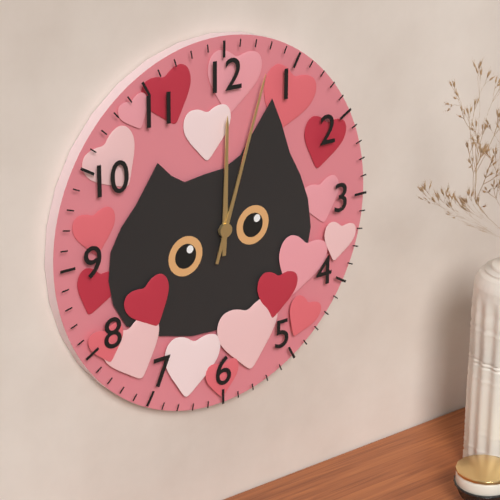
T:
12.03
